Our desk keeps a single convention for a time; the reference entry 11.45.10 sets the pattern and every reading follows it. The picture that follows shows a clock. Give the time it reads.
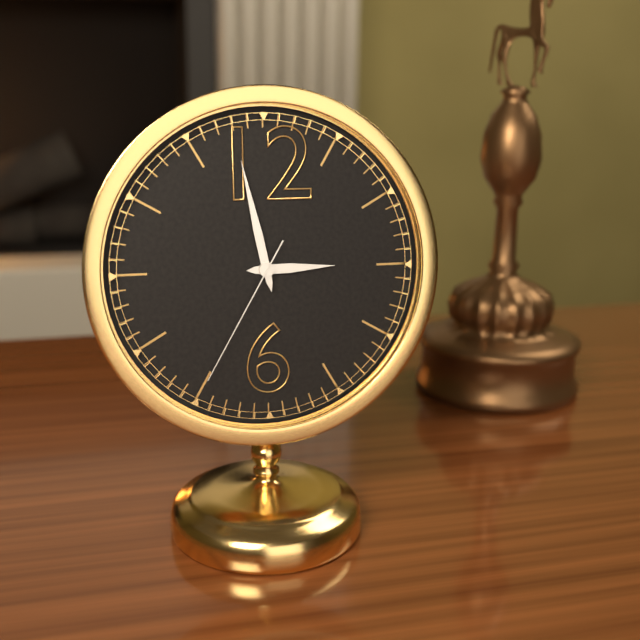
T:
2.58.35
